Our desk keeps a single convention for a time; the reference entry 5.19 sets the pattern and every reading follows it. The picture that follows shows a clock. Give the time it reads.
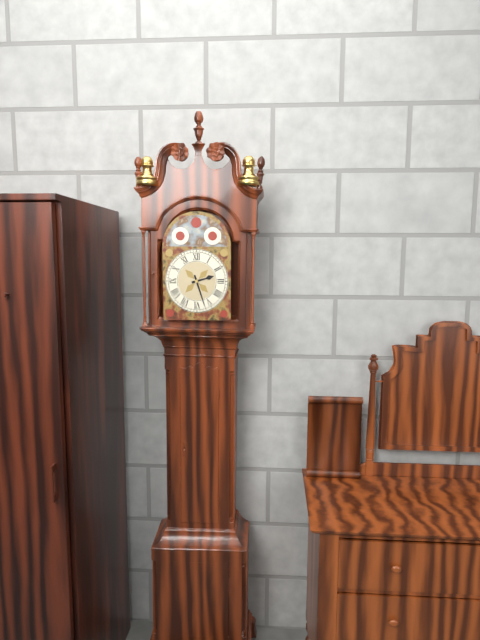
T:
2.27
